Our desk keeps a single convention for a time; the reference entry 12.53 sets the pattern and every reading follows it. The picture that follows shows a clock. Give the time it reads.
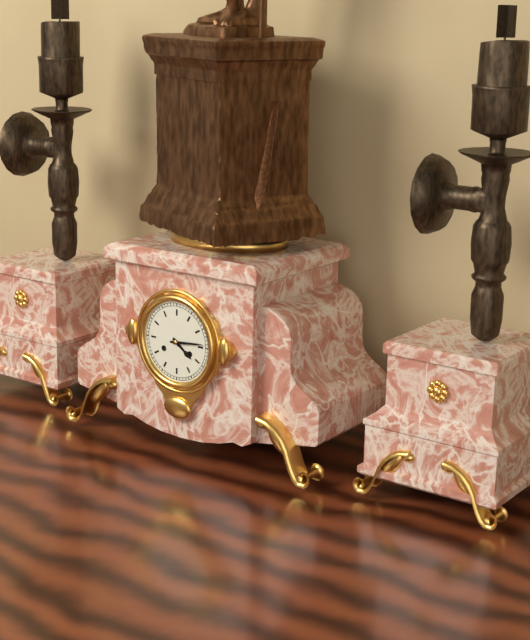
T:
4.14
